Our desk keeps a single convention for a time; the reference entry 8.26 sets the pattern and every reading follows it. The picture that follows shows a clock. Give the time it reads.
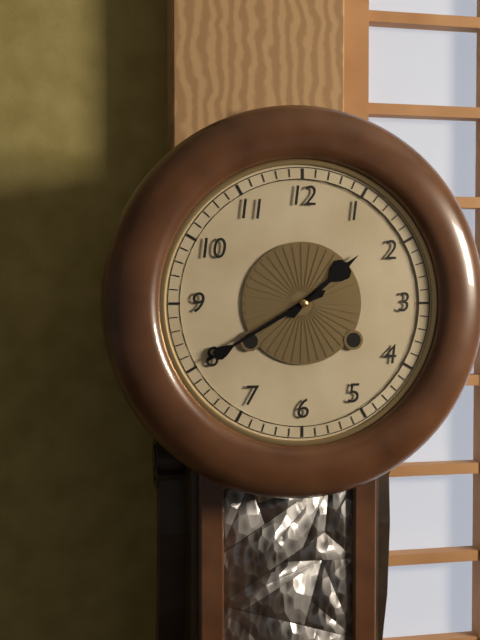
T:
1.40
